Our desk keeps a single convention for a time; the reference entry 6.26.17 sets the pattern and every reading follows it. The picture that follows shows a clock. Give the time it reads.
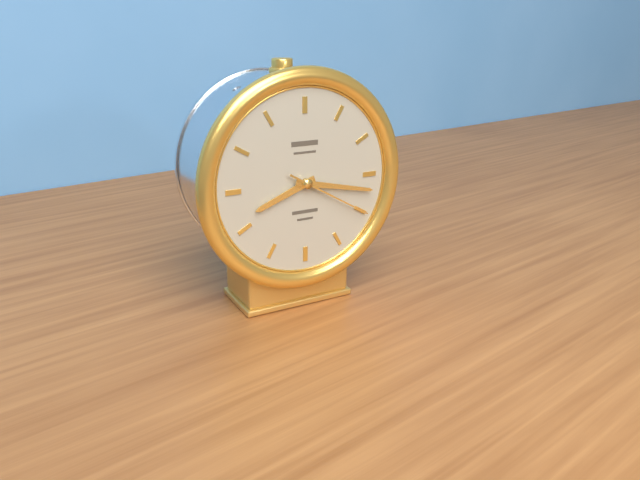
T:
8.17.20
